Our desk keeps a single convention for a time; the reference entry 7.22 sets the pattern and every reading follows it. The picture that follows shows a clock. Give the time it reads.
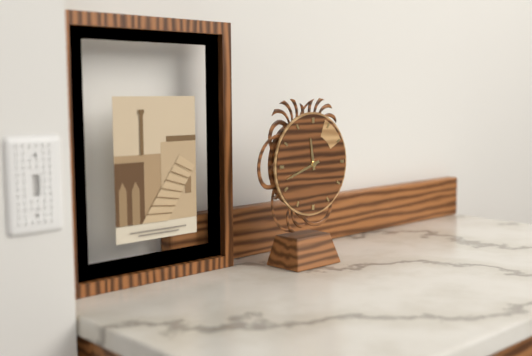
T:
11.42
